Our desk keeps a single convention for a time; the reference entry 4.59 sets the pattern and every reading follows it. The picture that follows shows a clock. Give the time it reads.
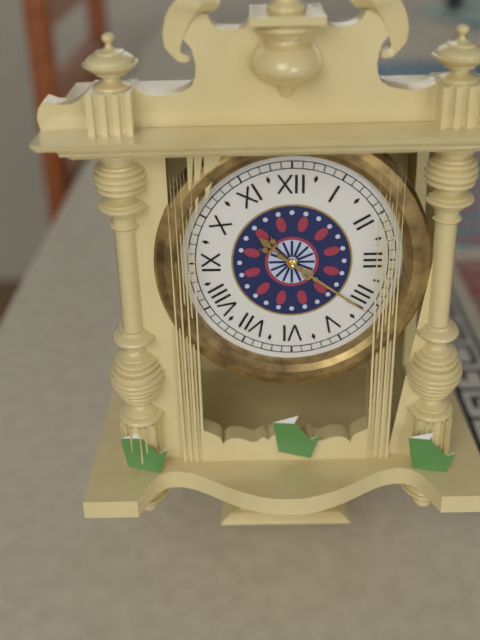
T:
10.21
